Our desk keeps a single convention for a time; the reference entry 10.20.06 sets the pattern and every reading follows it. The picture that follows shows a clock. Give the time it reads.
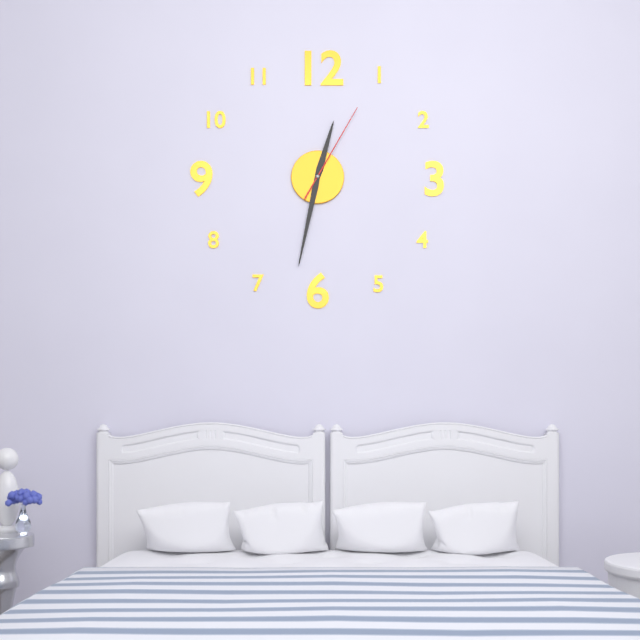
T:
12.32.05
